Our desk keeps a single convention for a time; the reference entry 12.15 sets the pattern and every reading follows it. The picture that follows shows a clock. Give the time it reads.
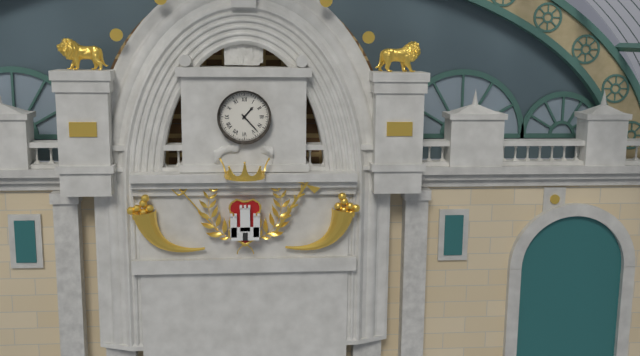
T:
1.23
